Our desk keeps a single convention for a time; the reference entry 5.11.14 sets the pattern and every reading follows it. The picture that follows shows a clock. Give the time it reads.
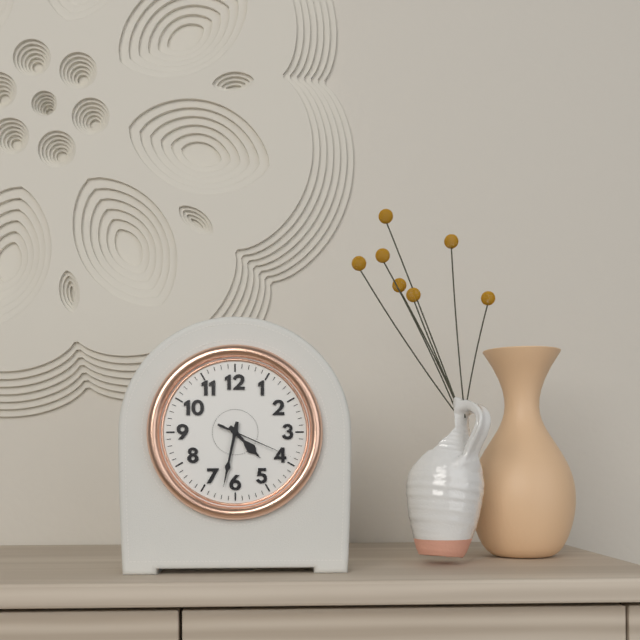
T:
4.32.19
